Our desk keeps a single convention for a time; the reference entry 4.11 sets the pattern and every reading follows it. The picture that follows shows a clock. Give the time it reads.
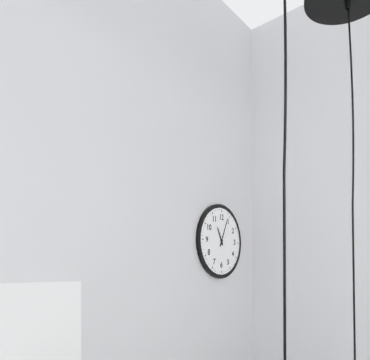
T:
11.04
